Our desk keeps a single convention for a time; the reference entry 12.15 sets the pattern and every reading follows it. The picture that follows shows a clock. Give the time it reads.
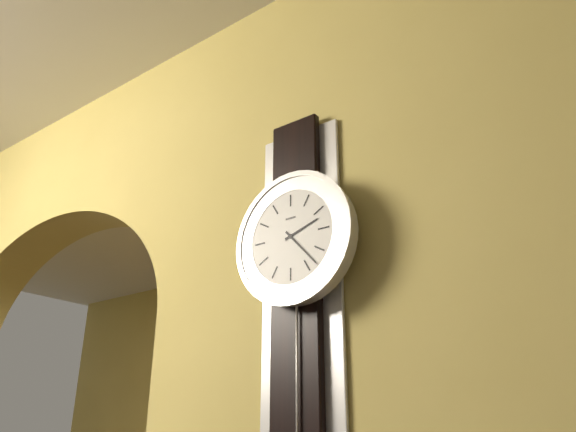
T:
2.23
